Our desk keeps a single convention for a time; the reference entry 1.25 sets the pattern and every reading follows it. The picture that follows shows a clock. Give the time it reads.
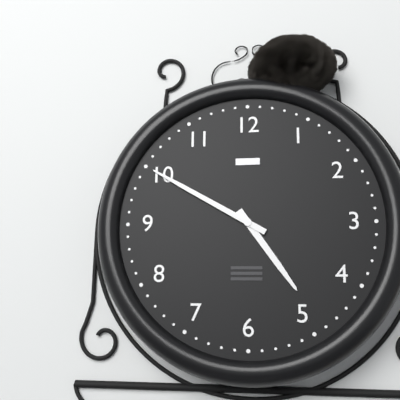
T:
4.50
